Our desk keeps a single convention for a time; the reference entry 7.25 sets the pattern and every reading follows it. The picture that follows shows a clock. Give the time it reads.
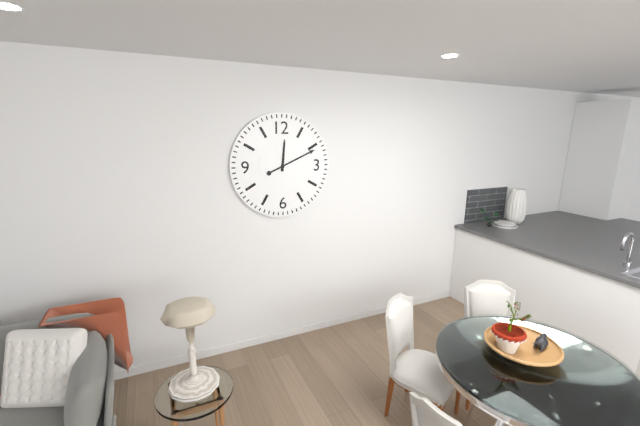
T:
12.11
